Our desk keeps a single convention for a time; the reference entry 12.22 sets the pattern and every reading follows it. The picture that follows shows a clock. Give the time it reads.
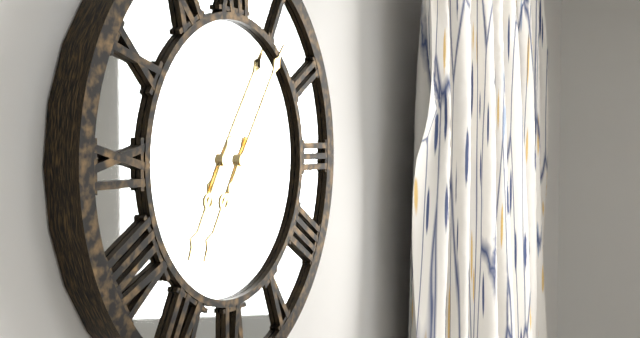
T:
7.06
